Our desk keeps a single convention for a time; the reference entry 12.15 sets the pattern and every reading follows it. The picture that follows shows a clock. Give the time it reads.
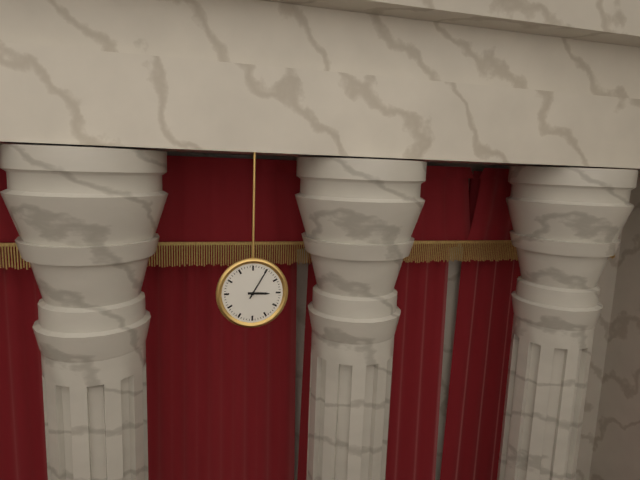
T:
3.05
